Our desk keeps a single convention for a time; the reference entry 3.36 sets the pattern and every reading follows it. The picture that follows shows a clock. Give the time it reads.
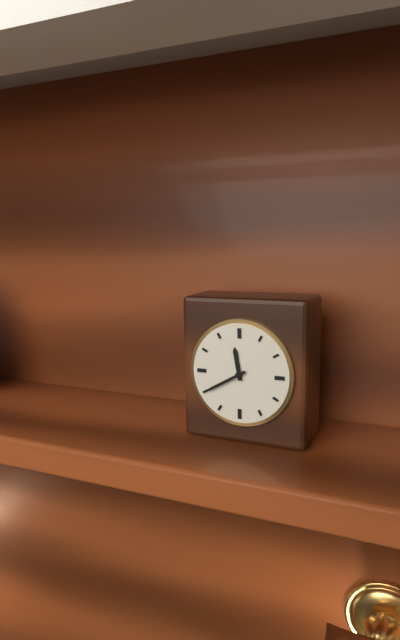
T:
11.40
